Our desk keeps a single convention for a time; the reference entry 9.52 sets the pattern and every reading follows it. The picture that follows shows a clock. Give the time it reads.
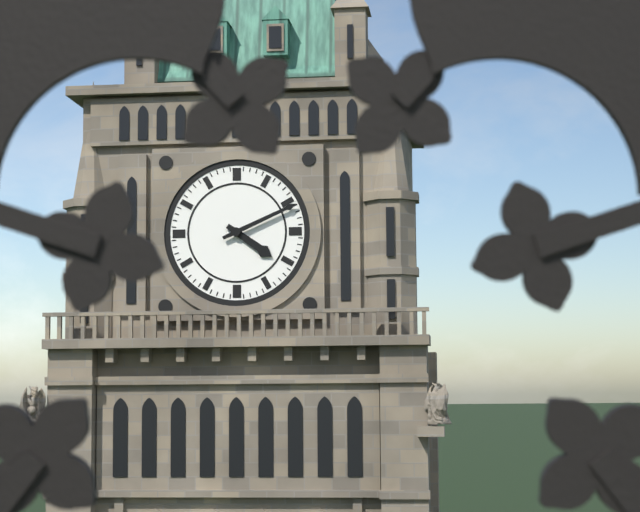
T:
4.11
